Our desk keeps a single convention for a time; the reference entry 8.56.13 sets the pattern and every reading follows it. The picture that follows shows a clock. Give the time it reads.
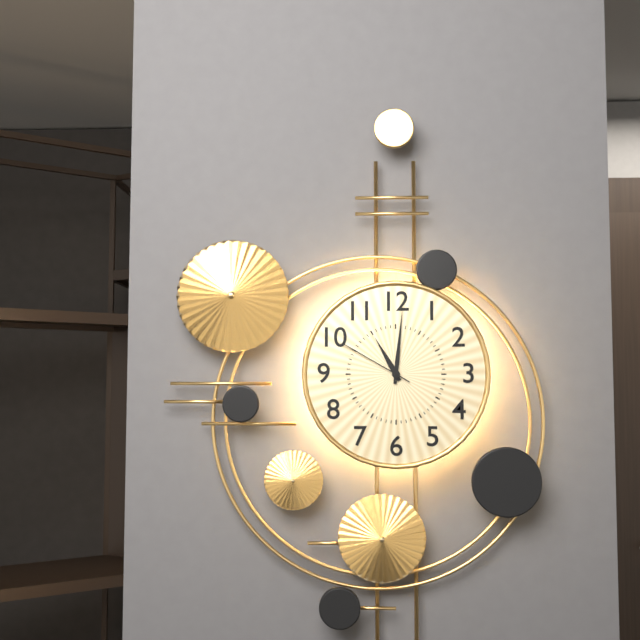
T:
11.01.50
